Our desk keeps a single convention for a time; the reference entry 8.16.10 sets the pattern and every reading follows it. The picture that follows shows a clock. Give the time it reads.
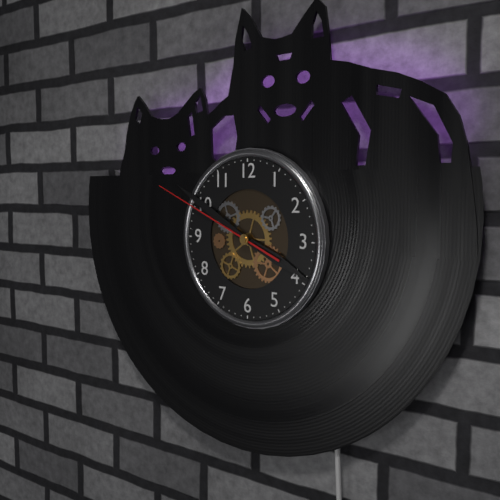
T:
3.50.49
